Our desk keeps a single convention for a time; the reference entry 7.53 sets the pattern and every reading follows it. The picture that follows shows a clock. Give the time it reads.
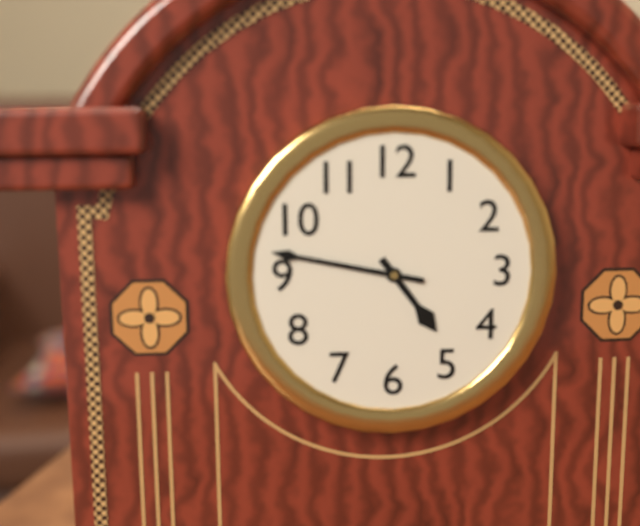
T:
4.47
